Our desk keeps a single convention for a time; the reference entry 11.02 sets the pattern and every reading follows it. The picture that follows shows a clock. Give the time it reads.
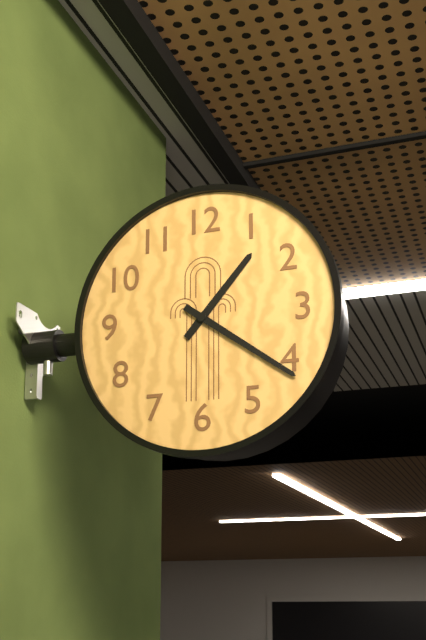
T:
1.21
